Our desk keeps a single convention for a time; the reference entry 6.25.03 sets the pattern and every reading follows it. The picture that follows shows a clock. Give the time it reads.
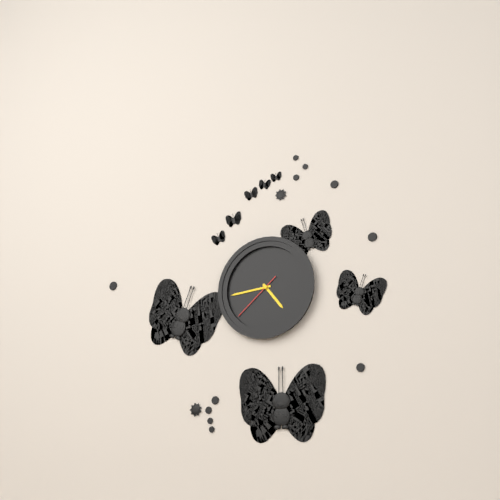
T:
4.44.38
